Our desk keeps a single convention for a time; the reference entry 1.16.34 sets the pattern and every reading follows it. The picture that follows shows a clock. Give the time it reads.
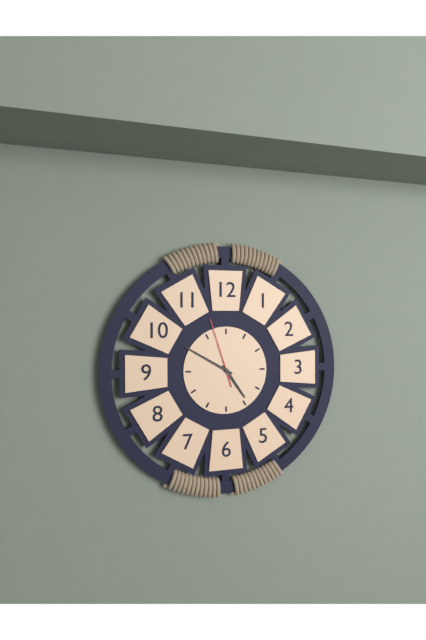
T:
4.50.57
